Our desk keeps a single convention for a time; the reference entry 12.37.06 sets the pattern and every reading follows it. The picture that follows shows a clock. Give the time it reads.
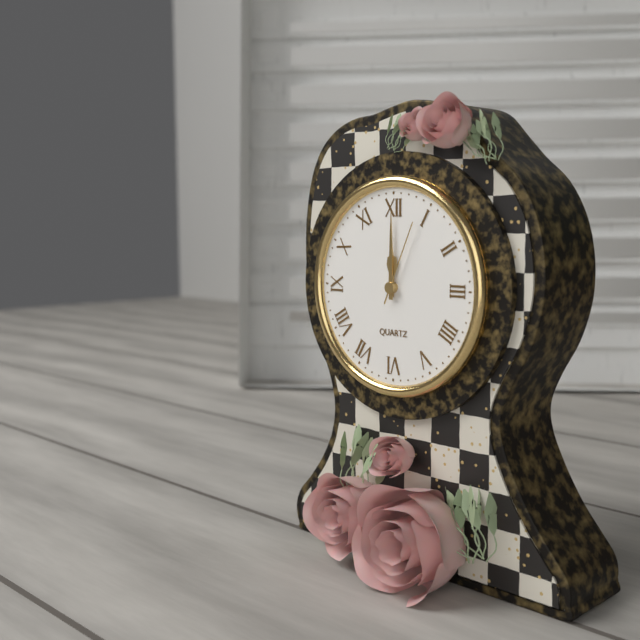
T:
12.00.04
